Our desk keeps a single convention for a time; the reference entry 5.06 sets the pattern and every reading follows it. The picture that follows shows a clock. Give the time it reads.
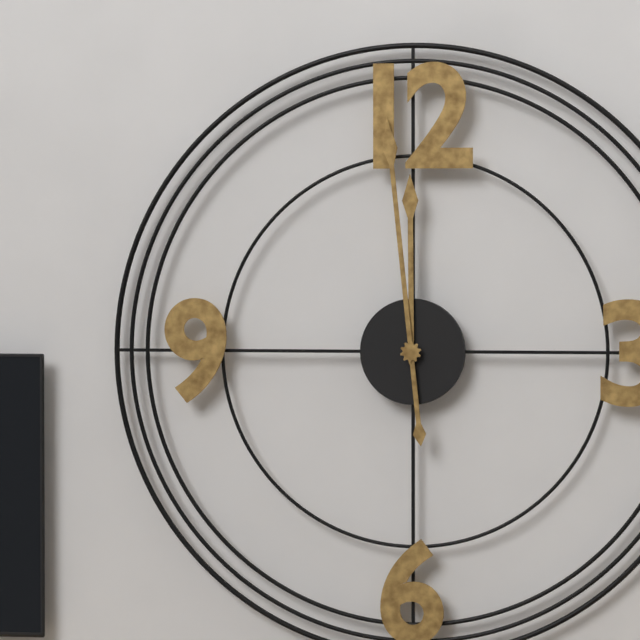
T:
11.59
